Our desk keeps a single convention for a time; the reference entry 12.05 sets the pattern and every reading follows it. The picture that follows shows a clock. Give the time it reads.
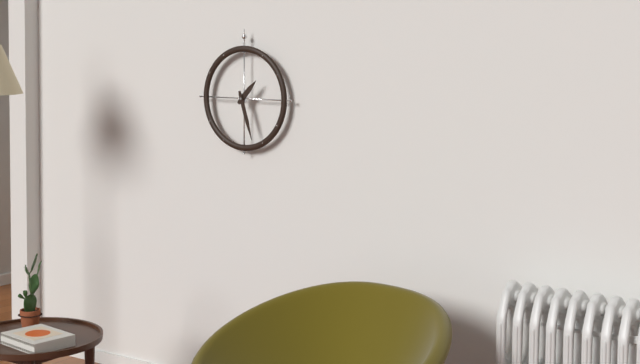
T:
1.27
